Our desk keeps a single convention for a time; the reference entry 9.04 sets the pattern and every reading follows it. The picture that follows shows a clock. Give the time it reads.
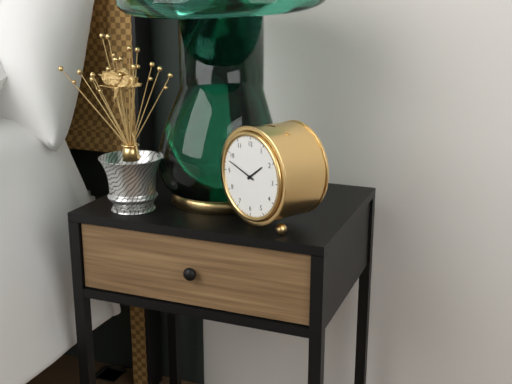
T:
1.48
